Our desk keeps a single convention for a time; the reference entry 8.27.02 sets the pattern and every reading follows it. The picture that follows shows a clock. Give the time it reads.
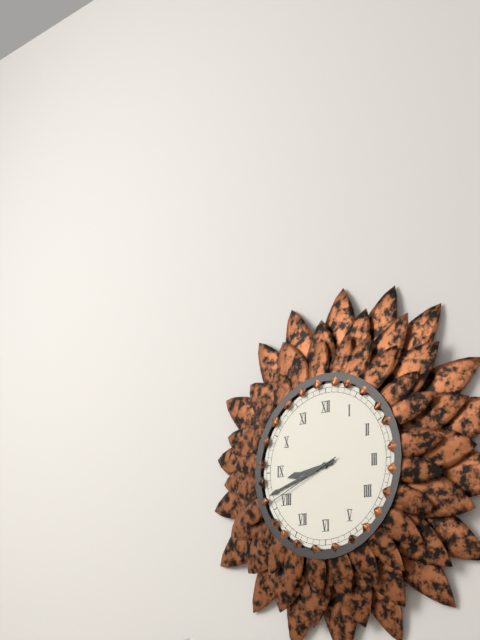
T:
8.42.41
